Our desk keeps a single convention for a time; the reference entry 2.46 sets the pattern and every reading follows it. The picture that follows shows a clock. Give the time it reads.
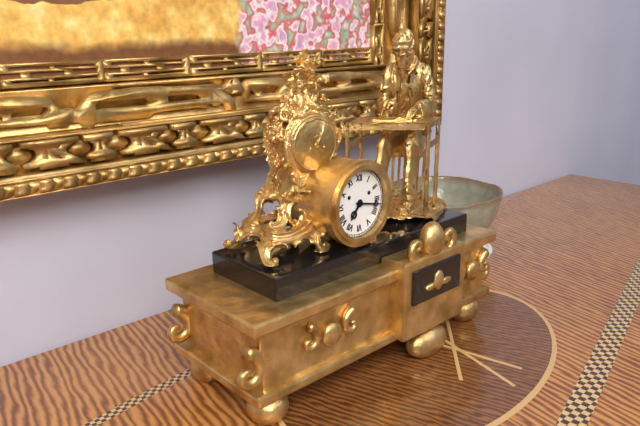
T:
7.17
